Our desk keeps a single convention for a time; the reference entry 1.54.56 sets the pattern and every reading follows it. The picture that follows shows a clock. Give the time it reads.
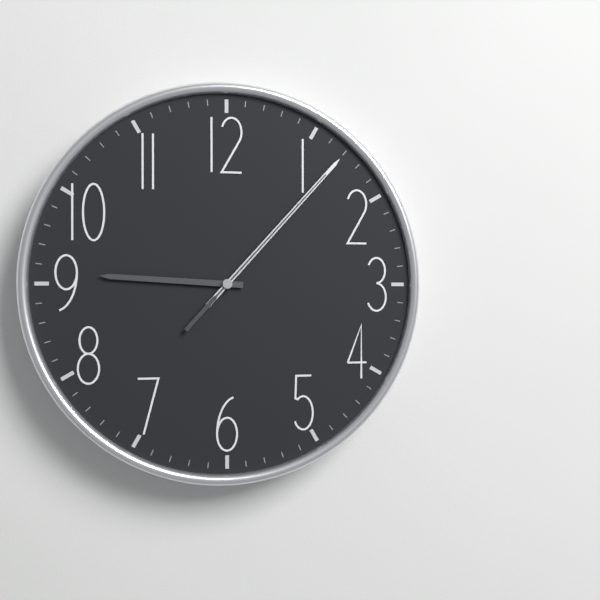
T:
9.07.07
